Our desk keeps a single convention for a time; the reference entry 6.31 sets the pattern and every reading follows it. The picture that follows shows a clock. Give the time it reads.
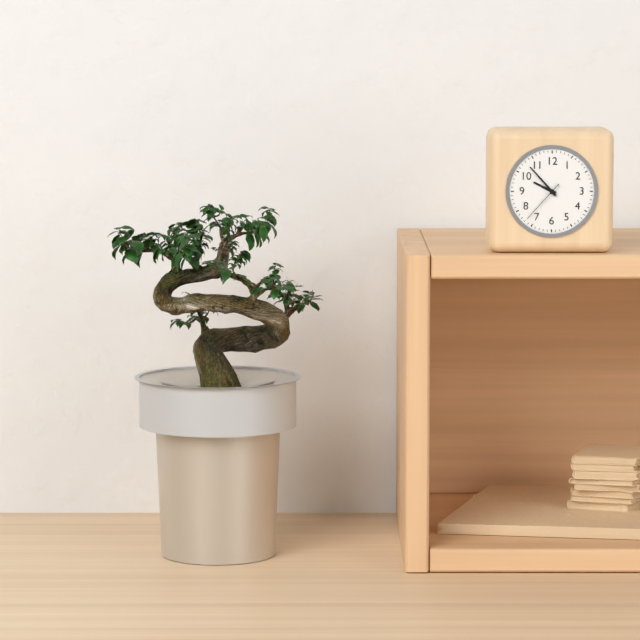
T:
9.53
